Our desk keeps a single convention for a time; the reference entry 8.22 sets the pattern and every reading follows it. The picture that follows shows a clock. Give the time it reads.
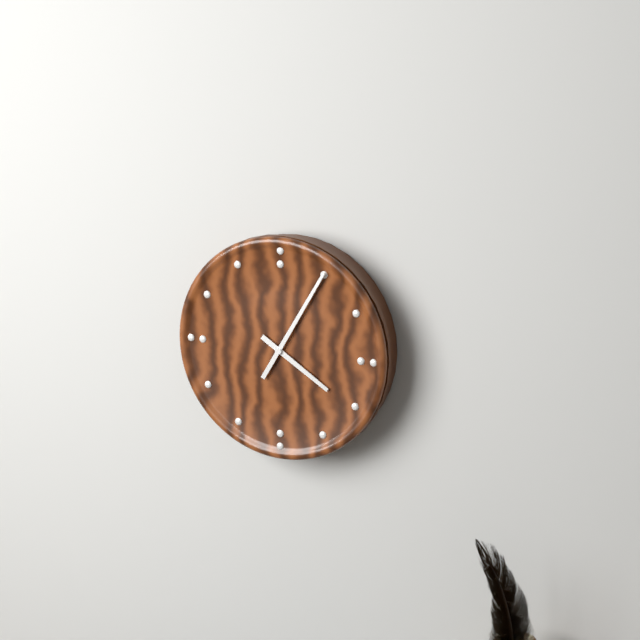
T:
4.05
